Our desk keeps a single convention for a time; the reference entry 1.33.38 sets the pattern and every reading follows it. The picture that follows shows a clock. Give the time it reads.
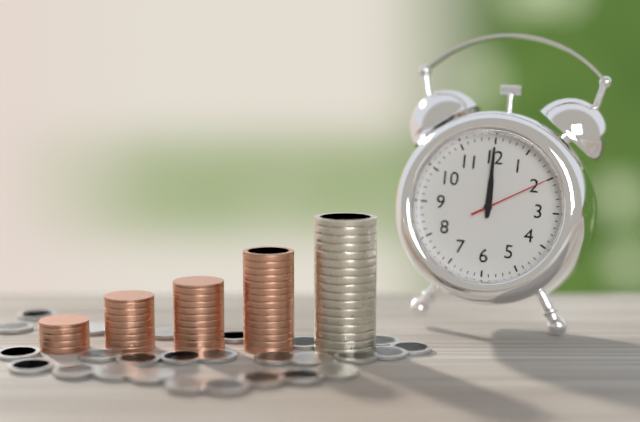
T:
12.00.10
